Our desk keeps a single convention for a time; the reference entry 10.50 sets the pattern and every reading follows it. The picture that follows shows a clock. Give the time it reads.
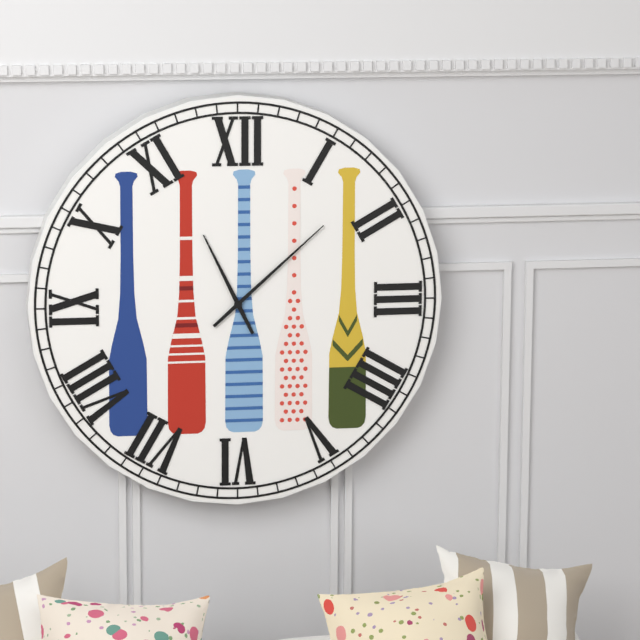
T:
11.08
